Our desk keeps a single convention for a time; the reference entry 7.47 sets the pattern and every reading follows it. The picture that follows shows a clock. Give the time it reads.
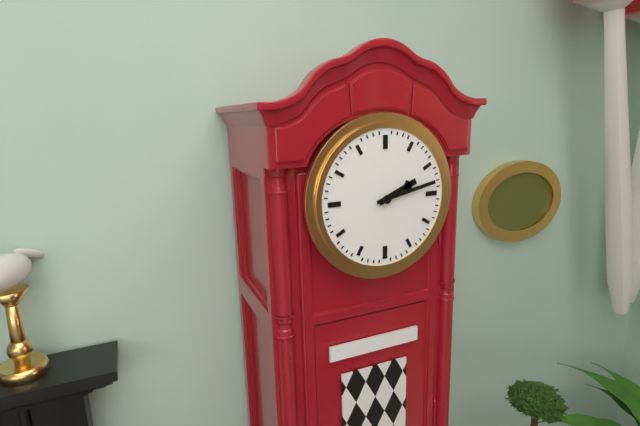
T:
2.13
